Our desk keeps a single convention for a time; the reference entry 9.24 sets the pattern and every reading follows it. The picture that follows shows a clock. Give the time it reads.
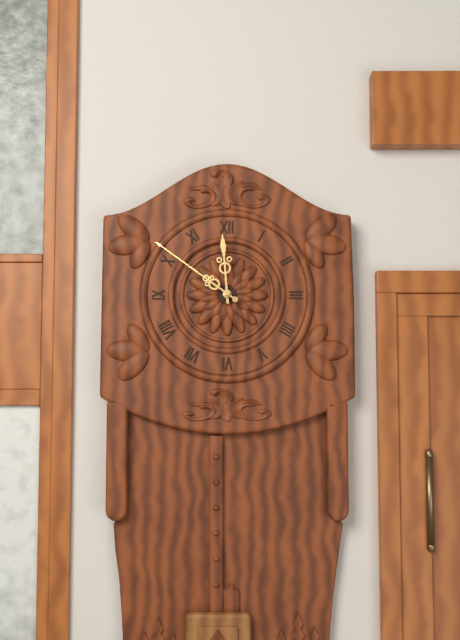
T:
11.51
